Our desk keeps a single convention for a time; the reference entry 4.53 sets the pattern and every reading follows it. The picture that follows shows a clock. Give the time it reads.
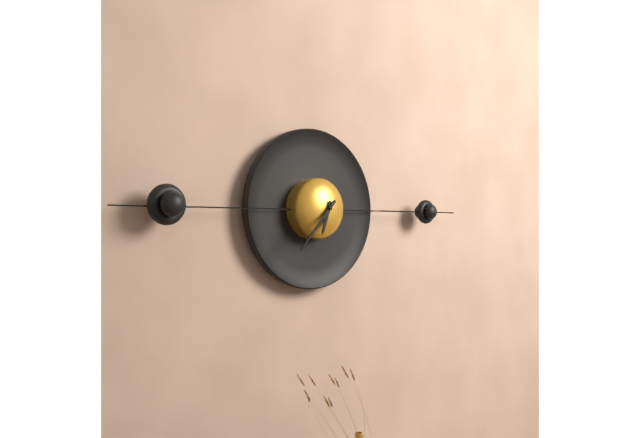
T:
6.37
